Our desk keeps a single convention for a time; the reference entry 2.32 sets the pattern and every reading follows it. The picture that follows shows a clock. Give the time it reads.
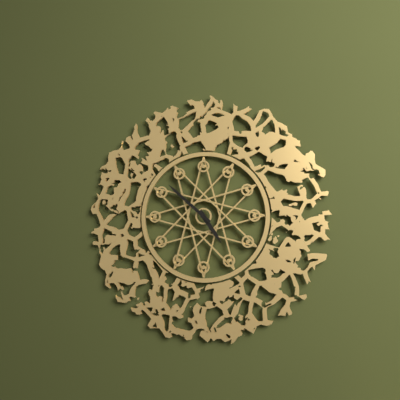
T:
4.52
